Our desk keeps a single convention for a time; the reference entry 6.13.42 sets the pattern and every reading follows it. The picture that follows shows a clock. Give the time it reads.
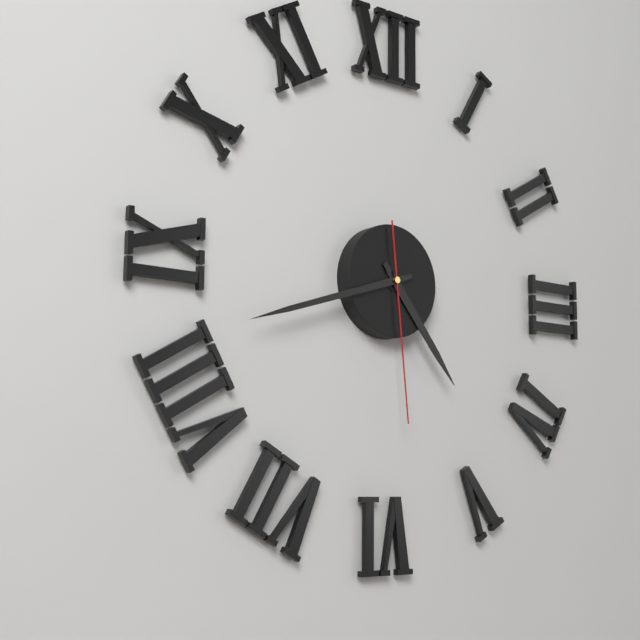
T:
4.42.29
